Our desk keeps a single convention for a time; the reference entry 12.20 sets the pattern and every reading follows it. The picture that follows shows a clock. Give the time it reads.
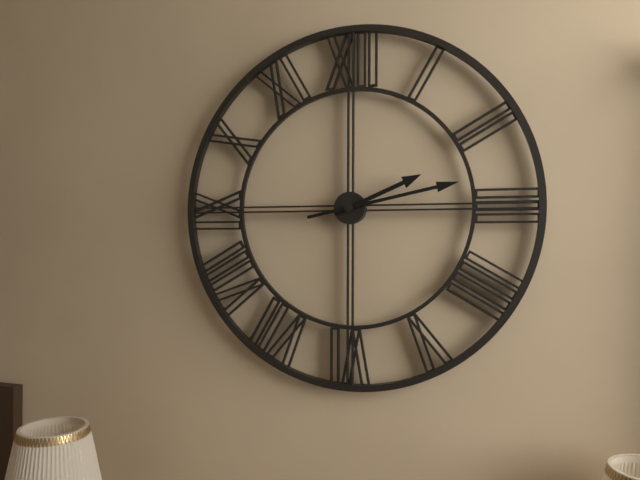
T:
2.13
